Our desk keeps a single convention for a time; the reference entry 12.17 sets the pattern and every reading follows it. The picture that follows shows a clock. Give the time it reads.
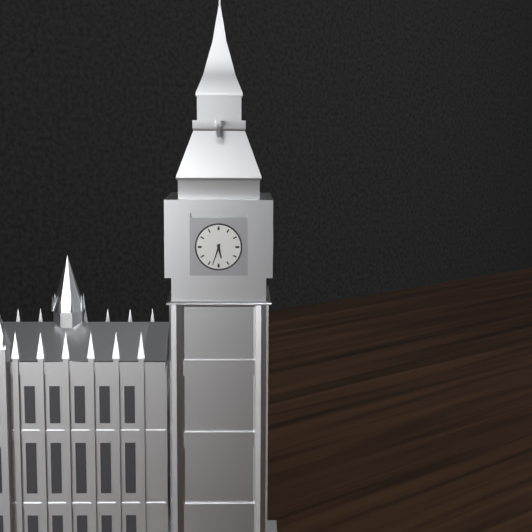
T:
5.33
